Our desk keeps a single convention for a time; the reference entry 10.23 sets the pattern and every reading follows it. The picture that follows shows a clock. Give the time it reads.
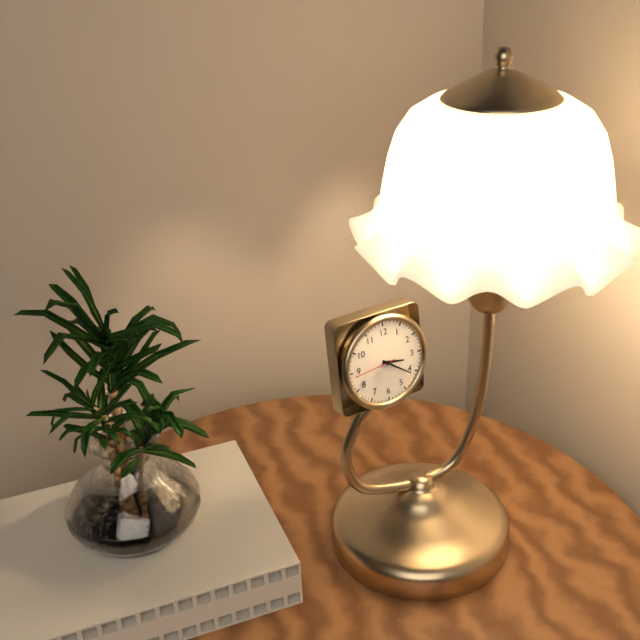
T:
3.21
